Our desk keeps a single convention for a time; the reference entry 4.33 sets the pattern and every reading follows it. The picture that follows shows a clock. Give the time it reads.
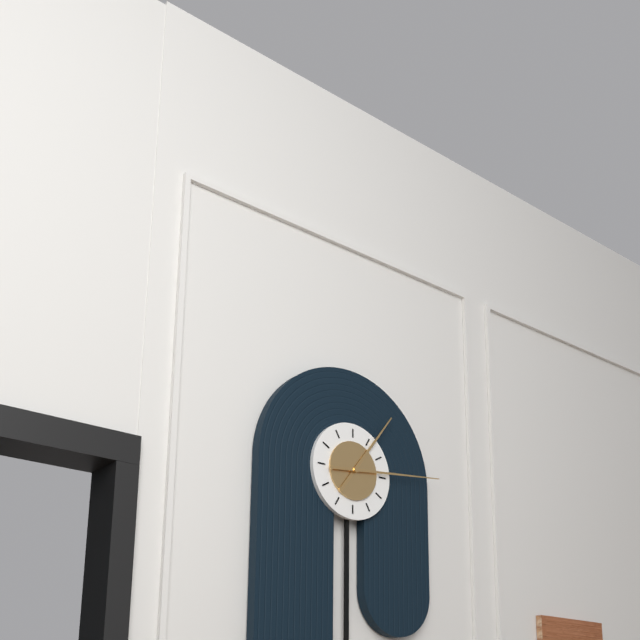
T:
1.14
